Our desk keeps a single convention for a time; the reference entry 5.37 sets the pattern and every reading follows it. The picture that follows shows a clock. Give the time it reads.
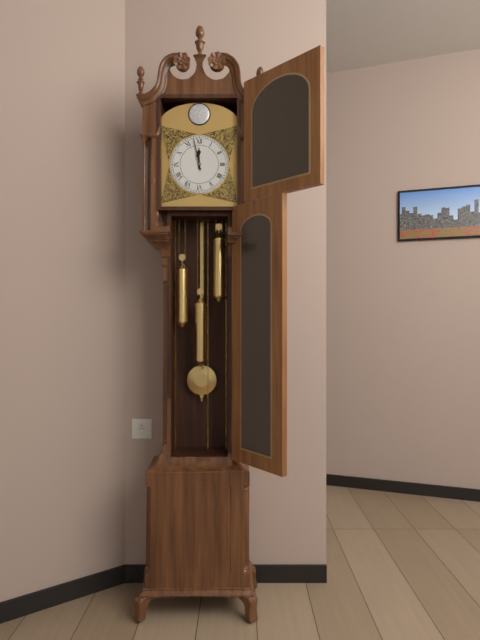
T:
11.58
